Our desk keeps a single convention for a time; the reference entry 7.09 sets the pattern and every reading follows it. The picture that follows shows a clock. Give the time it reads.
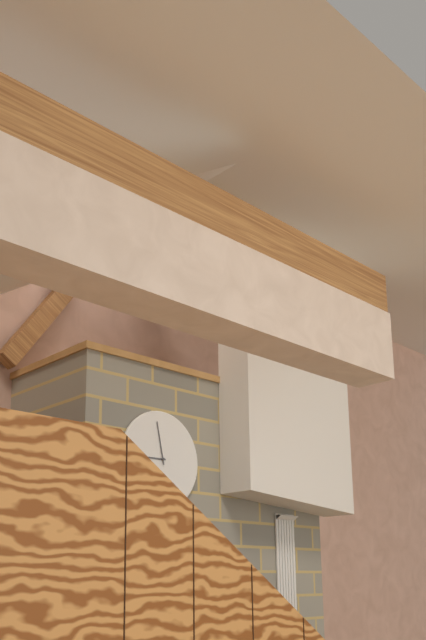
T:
8.58
